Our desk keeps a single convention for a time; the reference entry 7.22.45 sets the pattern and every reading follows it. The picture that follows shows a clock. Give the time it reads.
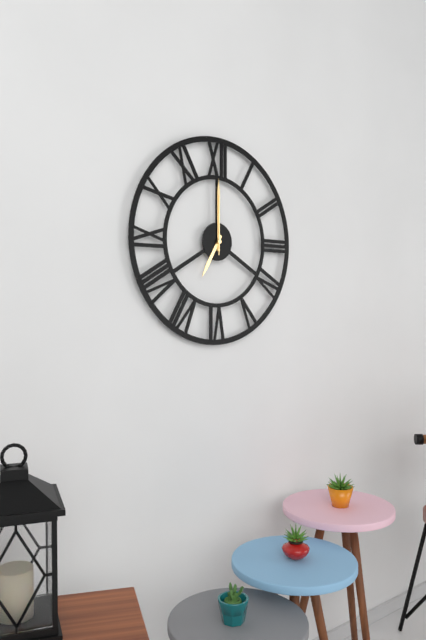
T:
7.00.00
